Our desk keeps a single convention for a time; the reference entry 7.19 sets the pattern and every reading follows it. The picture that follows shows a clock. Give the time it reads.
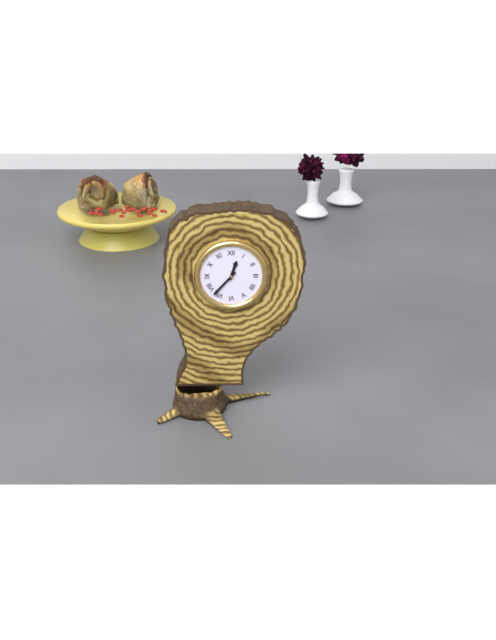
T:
12.37
